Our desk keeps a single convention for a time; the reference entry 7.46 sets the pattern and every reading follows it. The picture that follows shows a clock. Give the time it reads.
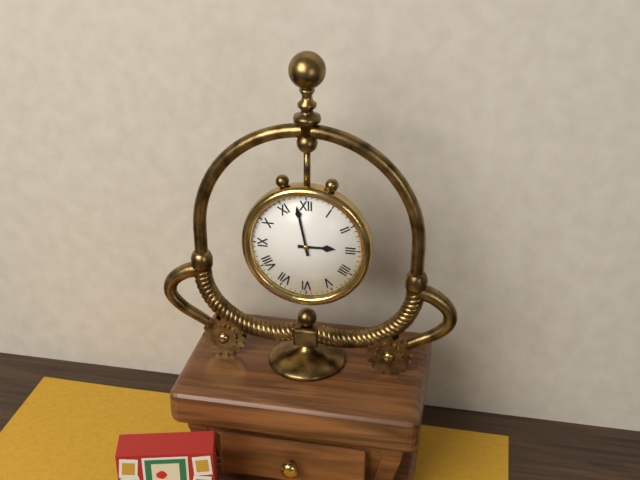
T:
2.58
